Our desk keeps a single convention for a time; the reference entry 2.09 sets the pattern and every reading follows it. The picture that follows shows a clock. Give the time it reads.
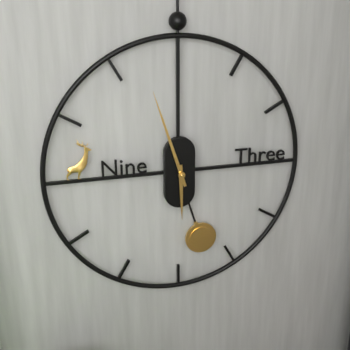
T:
5.57
